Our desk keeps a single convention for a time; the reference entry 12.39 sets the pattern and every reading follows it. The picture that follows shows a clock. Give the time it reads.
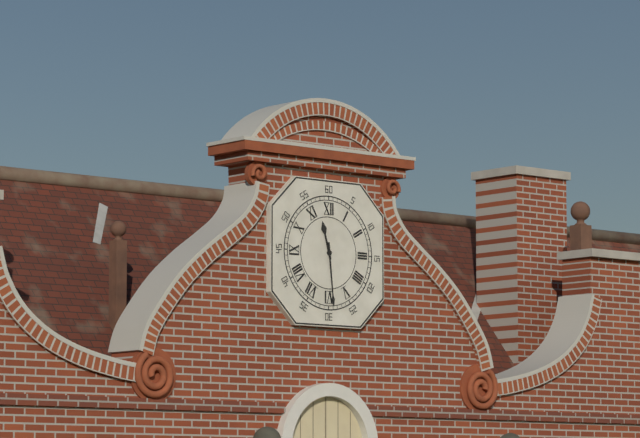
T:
11.29
